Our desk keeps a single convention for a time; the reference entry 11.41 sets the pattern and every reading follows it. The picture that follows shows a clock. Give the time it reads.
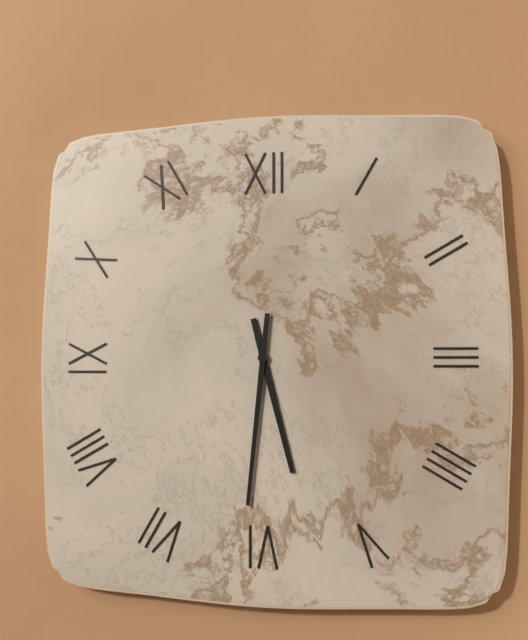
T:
5.31
